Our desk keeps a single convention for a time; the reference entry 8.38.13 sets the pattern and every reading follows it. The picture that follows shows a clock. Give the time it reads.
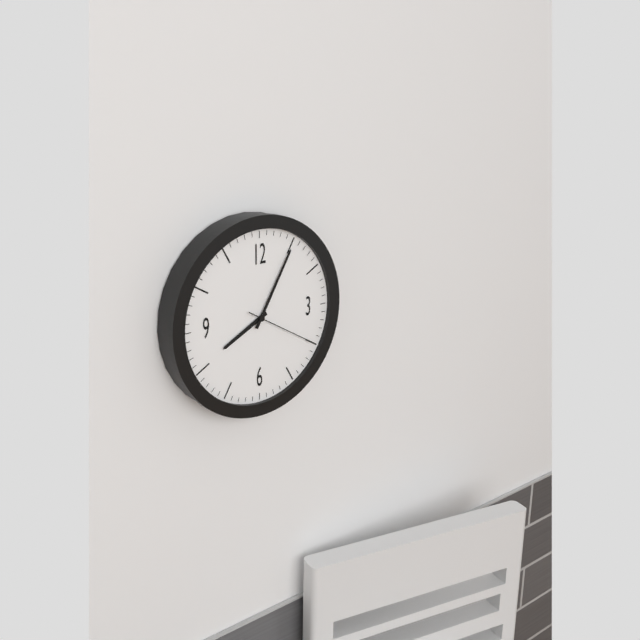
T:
8.05.20
